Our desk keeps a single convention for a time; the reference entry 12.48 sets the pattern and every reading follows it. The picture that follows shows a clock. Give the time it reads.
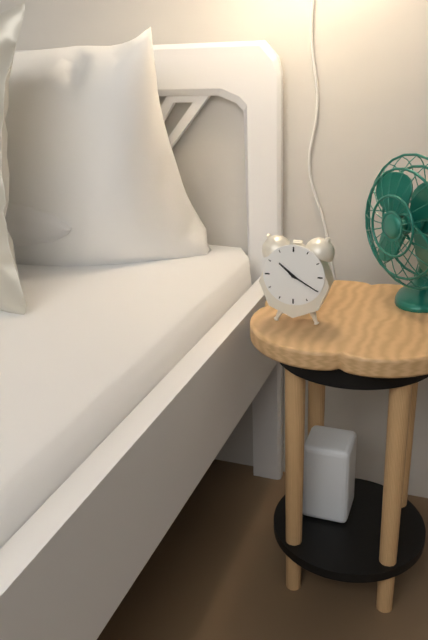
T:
10.20
